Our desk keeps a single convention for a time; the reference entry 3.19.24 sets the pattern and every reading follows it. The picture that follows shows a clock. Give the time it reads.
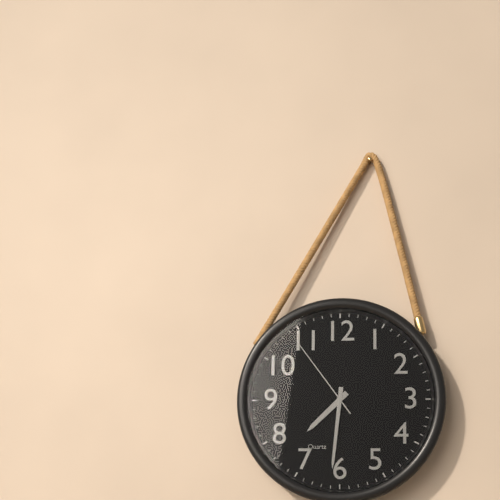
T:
7.31.54
